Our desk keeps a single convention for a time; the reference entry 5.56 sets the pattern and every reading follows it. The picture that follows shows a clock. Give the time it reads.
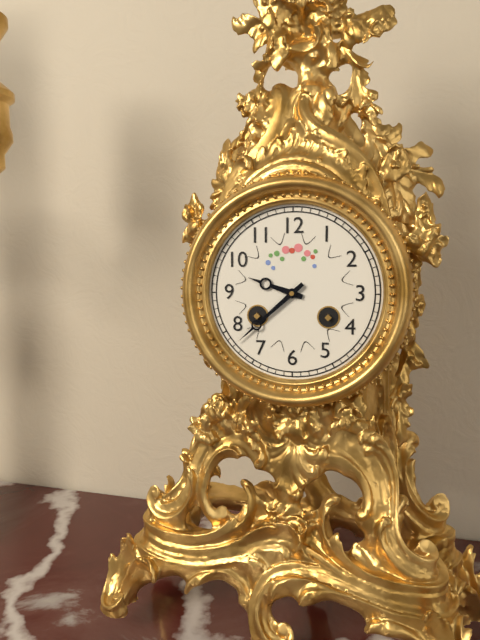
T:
9.38
